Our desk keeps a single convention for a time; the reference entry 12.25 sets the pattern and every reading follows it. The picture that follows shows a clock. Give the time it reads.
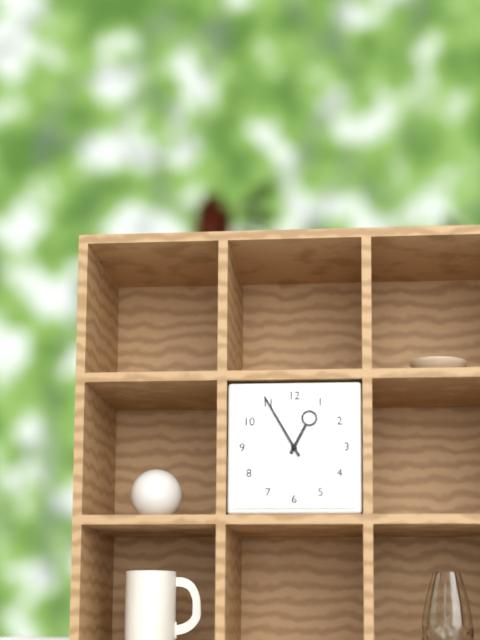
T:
12.55
